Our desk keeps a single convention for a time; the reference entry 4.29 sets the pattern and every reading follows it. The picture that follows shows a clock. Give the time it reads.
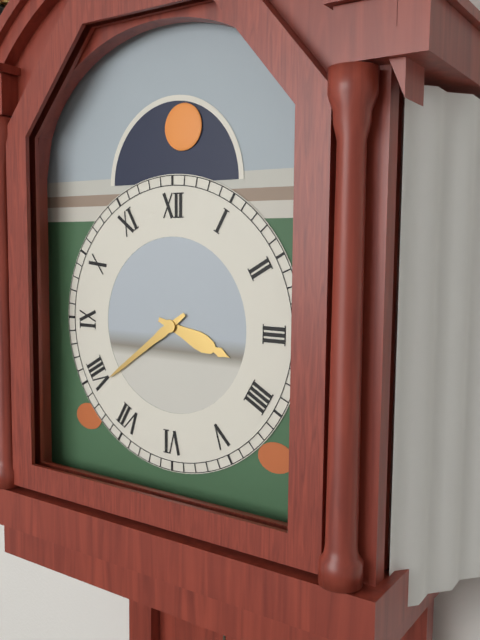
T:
3.39
